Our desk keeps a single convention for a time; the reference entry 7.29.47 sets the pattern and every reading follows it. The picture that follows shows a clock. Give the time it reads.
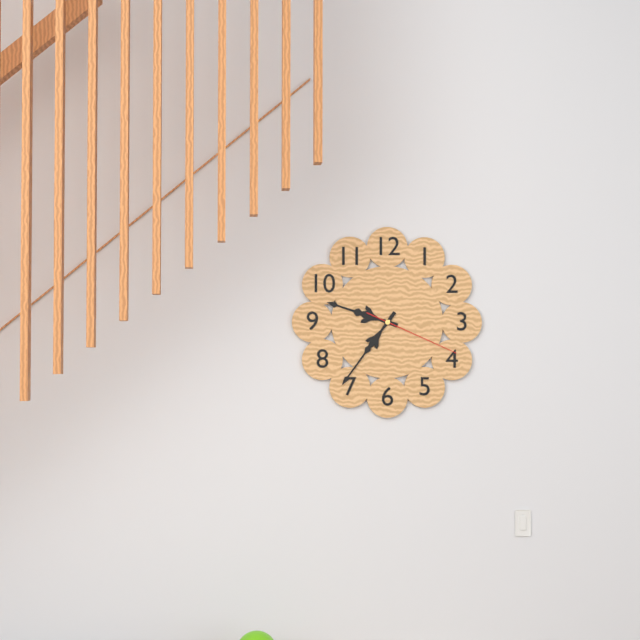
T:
9.36.19
